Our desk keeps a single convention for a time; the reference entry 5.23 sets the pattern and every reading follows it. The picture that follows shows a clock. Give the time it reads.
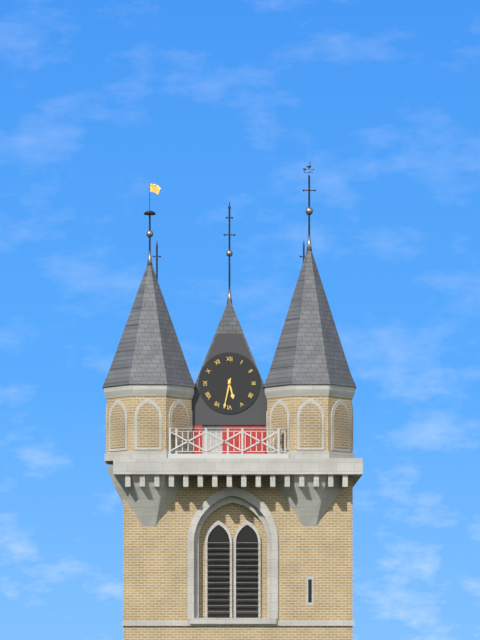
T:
5.32
